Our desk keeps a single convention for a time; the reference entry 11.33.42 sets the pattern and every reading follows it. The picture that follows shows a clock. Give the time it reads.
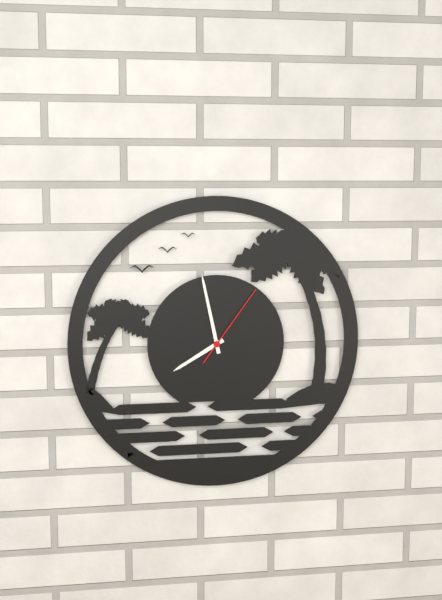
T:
7.58.06
